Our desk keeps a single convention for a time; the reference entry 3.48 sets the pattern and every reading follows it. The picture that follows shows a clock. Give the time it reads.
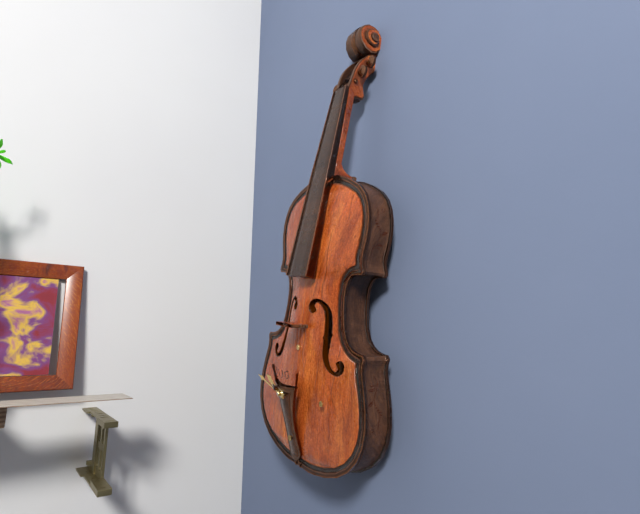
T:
9.47
